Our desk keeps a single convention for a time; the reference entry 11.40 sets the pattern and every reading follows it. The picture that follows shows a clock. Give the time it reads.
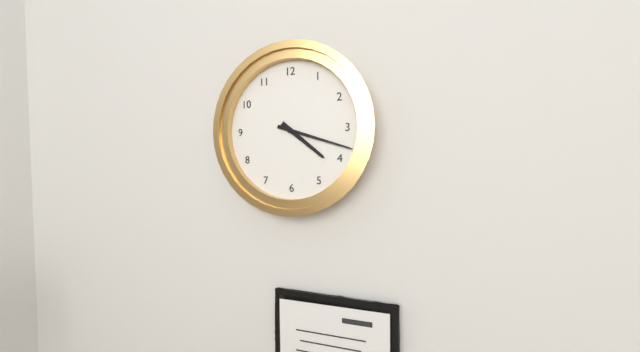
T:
4.18
